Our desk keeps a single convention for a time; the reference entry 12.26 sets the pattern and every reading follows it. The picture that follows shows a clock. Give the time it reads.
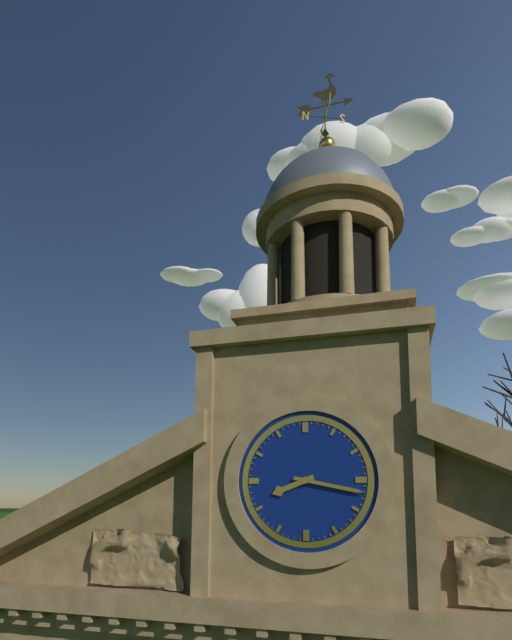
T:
8.17
